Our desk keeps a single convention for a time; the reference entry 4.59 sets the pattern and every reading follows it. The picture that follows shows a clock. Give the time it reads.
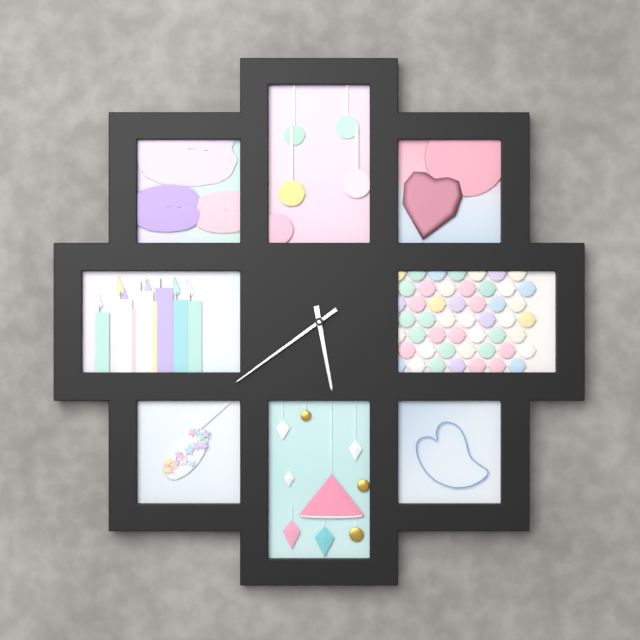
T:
5.39
